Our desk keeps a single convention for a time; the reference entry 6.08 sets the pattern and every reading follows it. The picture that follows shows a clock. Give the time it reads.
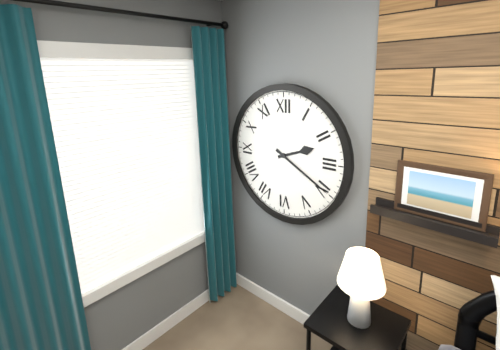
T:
2.20
